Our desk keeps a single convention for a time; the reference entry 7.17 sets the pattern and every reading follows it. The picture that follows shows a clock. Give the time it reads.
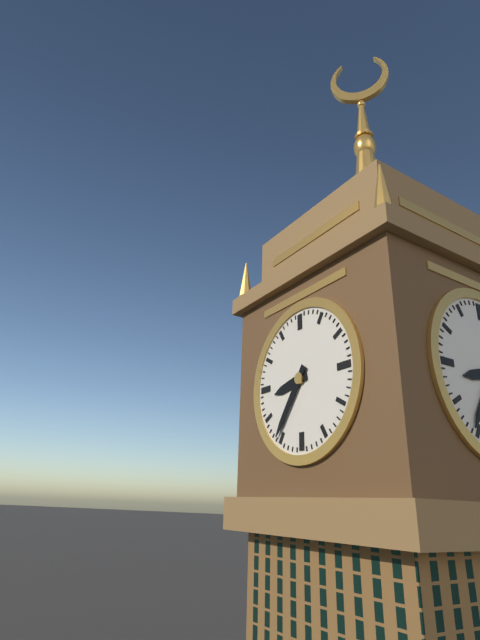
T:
8.36
